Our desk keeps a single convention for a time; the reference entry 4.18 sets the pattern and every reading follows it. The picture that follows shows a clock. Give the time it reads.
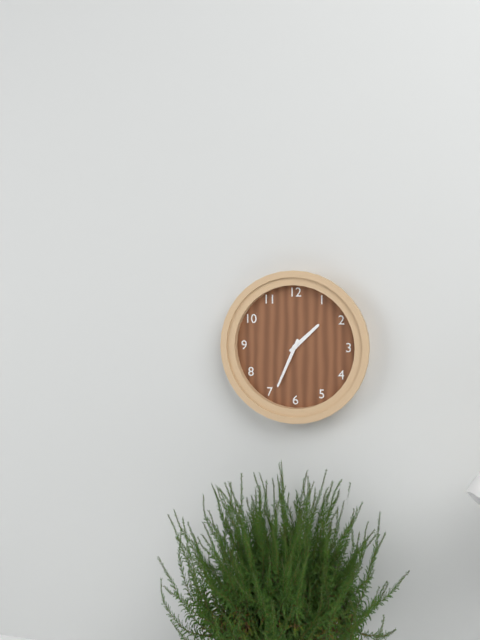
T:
1.34
